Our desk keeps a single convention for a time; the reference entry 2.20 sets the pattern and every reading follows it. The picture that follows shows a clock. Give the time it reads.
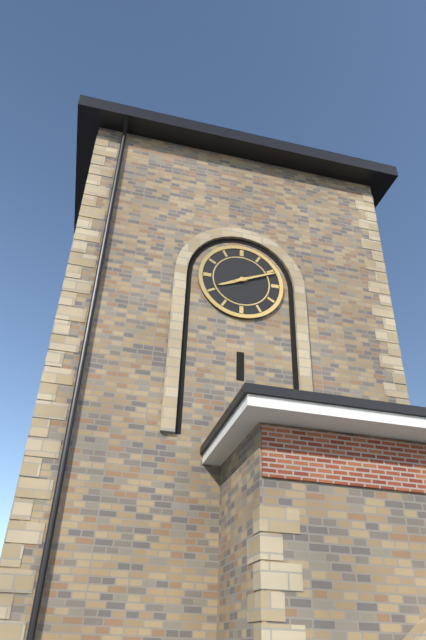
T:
8.11
